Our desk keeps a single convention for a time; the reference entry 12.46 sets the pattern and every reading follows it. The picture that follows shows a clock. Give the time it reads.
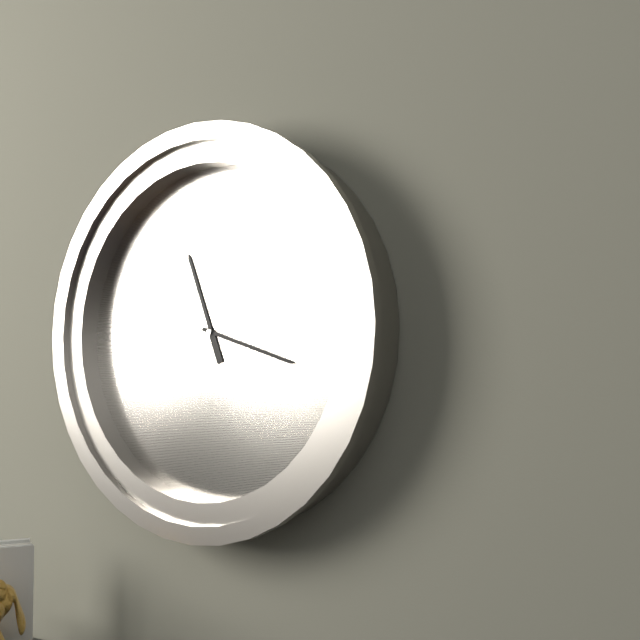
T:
11.18
